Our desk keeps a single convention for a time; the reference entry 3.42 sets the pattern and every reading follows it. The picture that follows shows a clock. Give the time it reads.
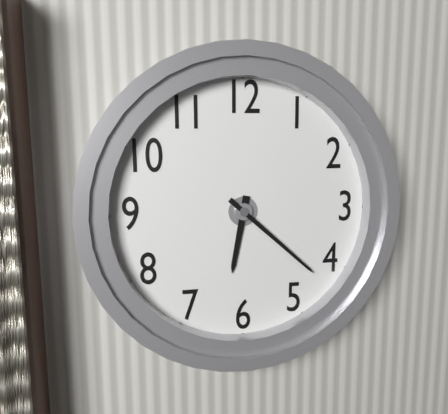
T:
6.22
